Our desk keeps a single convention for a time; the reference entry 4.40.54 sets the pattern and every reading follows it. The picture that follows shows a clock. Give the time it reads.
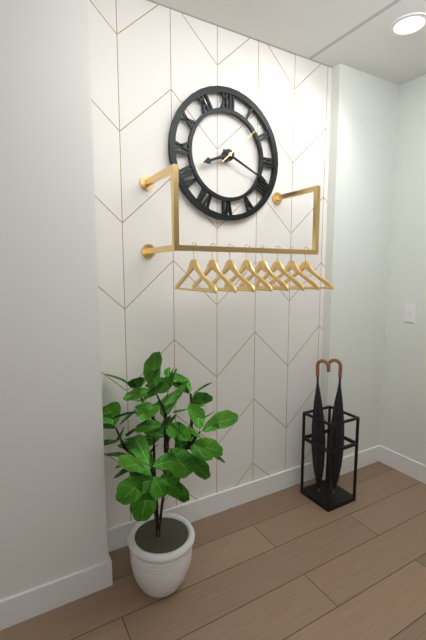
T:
8.19.08
